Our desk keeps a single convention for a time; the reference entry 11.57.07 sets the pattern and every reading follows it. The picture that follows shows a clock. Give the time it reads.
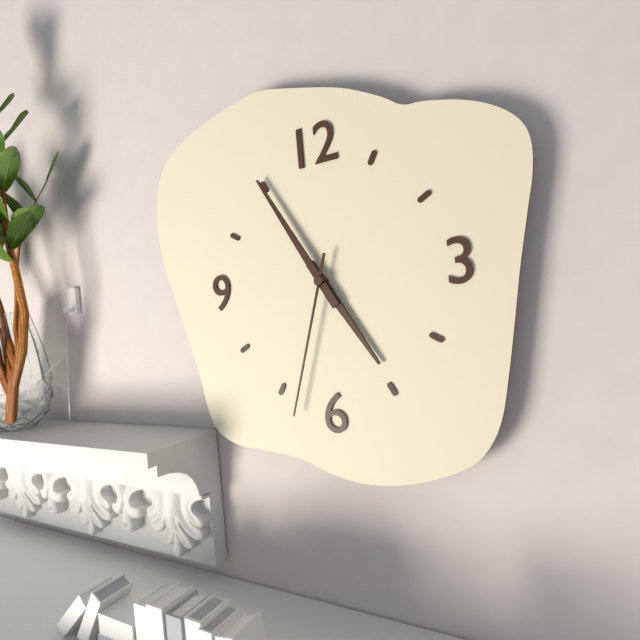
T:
4.55.33
